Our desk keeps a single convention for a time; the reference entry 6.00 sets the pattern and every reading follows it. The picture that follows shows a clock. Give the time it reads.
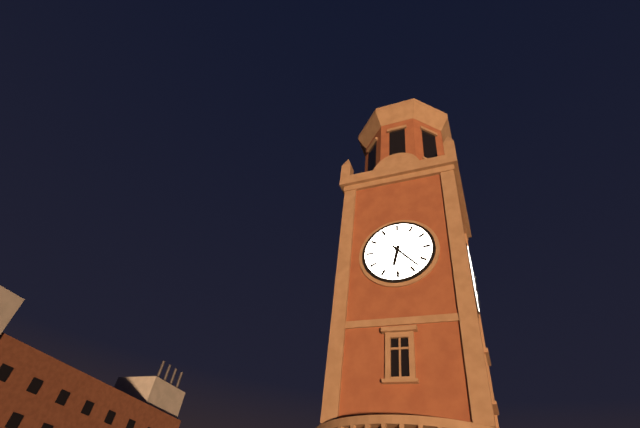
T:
6.23
